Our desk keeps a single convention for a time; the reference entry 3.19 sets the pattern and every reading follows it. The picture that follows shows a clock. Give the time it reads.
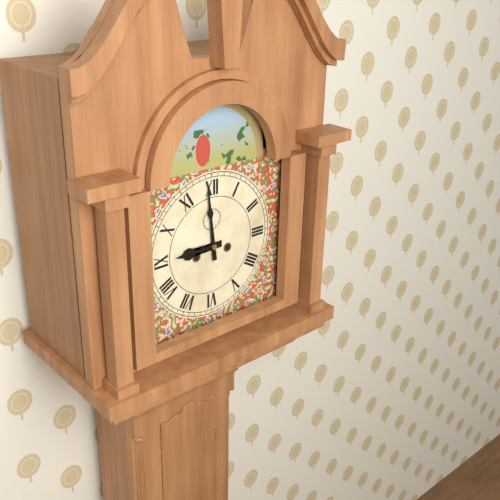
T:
8.59
